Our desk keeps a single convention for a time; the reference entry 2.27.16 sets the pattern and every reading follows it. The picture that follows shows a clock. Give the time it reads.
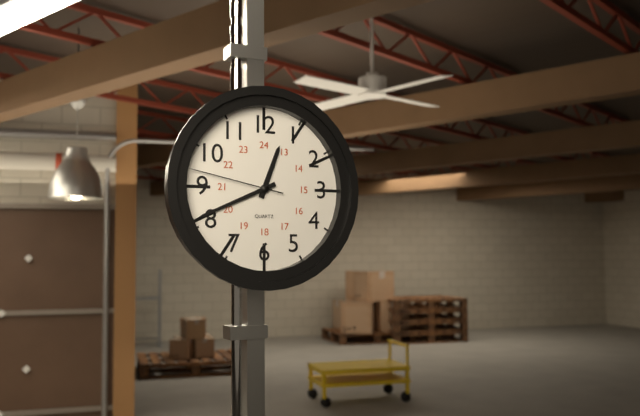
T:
12.41.47
